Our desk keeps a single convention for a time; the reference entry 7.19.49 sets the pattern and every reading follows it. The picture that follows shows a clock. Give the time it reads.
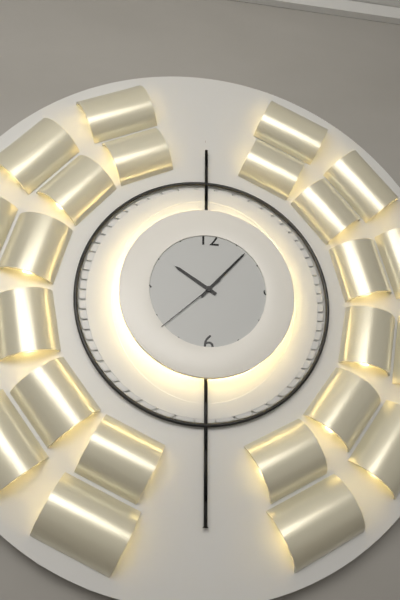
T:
10.07.38
